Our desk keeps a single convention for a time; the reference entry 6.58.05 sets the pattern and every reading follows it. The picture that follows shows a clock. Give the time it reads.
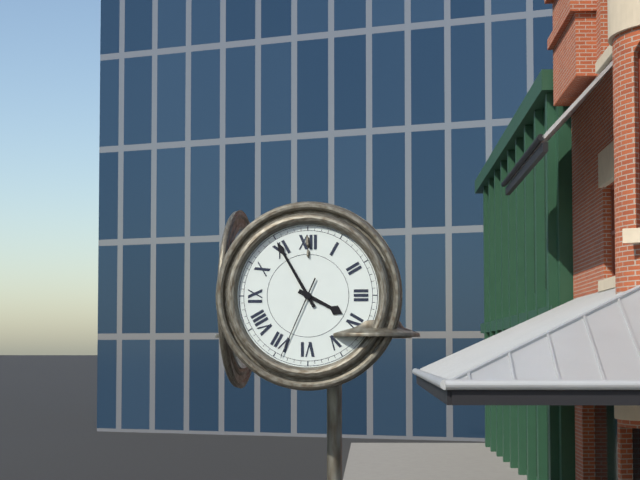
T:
3.55.34
